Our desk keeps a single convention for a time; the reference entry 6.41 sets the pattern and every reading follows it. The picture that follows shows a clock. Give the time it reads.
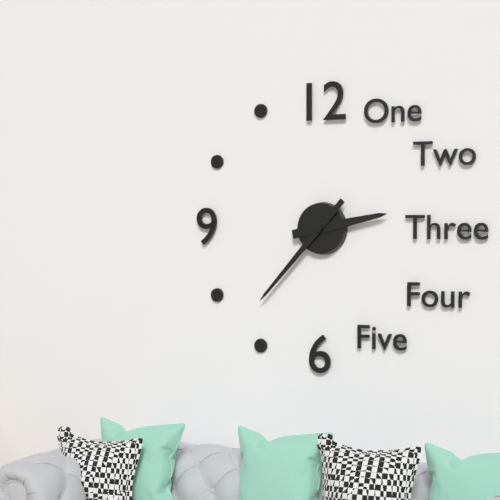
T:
2.37
